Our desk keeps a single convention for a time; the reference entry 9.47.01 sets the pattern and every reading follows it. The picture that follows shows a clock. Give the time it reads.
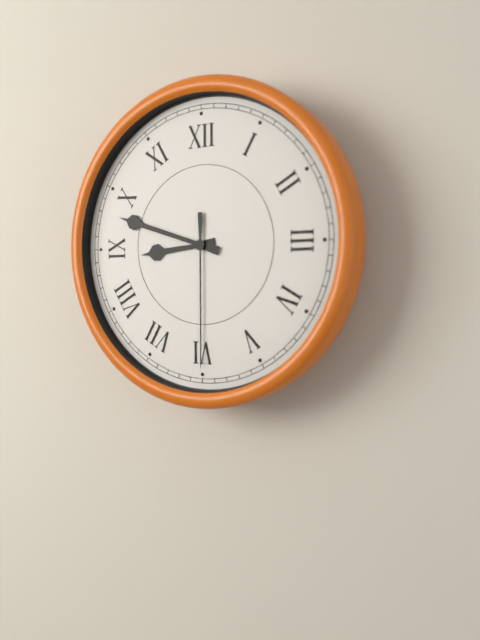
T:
8.48.30
